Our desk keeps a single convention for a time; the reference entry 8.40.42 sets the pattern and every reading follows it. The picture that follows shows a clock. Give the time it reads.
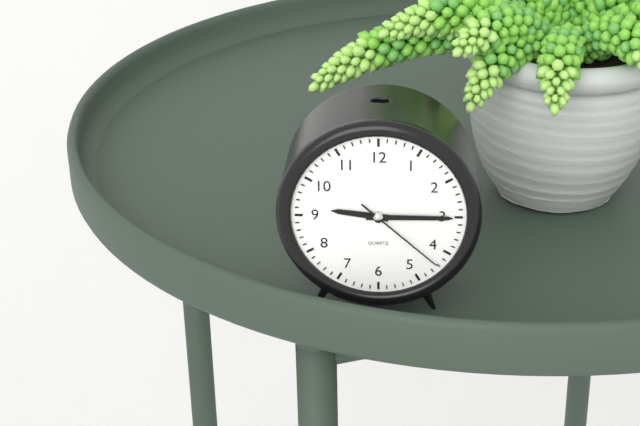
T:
9.15.22
